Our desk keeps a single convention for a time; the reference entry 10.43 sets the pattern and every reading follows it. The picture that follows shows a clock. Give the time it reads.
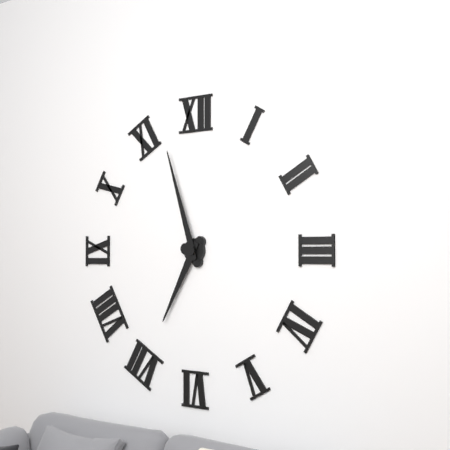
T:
6.57
